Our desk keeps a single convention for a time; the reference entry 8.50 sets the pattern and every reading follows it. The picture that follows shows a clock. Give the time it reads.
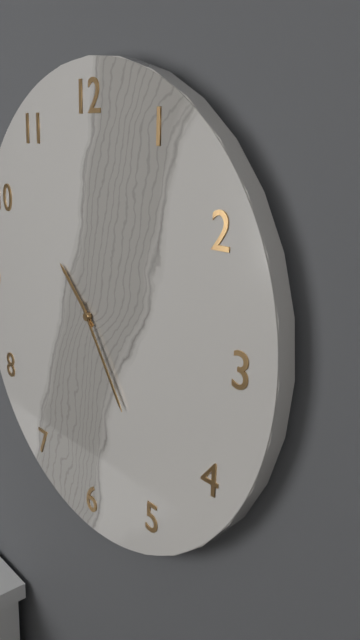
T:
10.24
